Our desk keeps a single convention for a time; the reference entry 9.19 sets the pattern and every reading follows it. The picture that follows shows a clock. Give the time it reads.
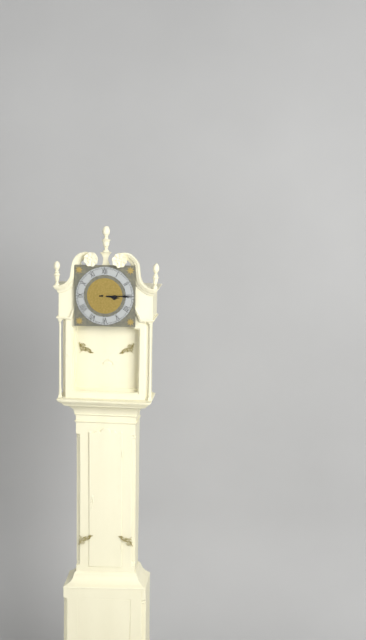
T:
3.15
